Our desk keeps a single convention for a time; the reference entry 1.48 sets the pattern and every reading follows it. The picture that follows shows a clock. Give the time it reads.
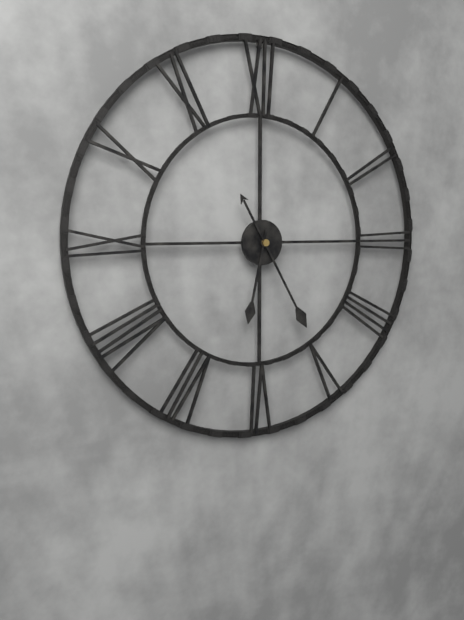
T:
6.25
